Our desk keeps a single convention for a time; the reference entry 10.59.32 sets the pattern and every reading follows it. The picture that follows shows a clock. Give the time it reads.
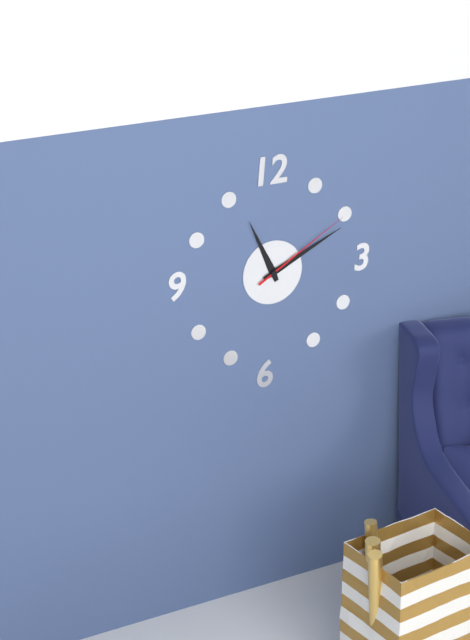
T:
11.11.10
